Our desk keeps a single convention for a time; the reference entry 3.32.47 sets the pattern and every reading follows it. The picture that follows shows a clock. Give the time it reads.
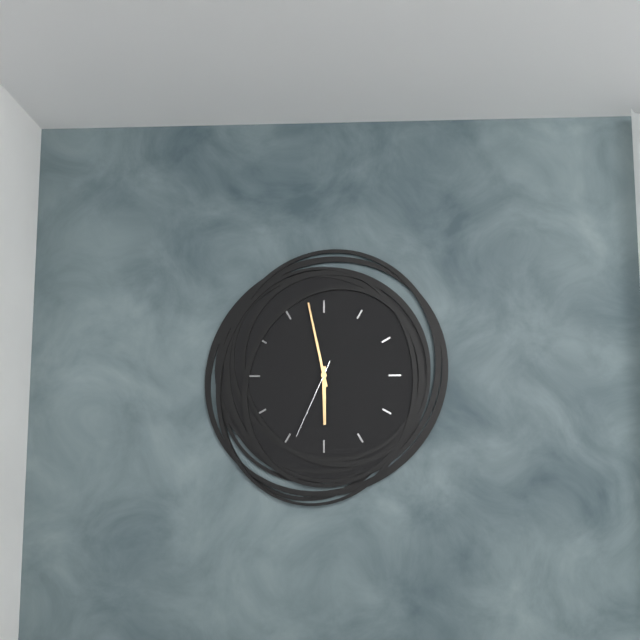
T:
5.58.34
